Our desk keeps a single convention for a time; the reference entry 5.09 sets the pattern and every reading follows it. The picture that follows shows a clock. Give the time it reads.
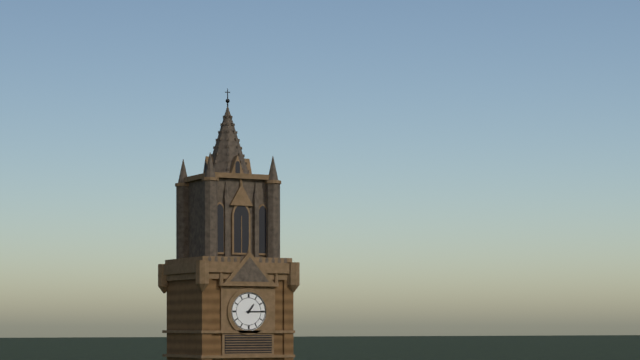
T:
1.15
